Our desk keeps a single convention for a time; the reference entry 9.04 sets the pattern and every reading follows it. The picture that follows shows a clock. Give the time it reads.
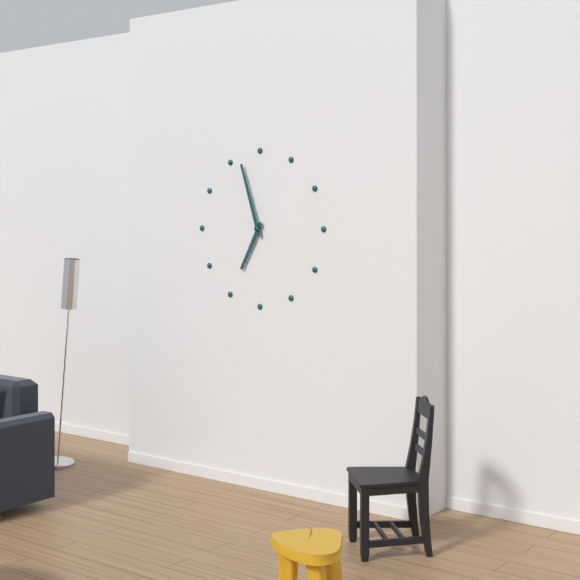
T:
6.57
